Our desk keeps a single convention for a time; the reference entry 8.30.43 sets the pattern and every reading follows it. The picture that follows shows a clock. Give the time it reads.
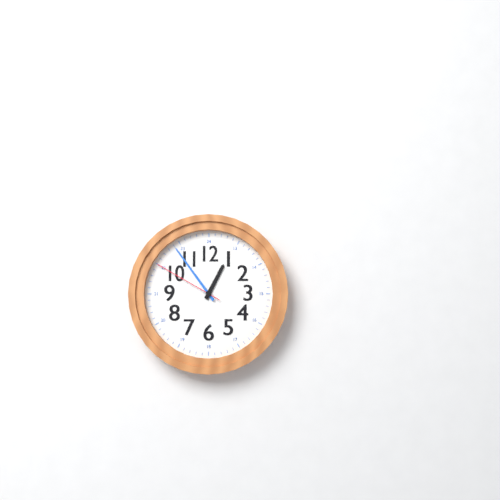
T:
12.54.50
